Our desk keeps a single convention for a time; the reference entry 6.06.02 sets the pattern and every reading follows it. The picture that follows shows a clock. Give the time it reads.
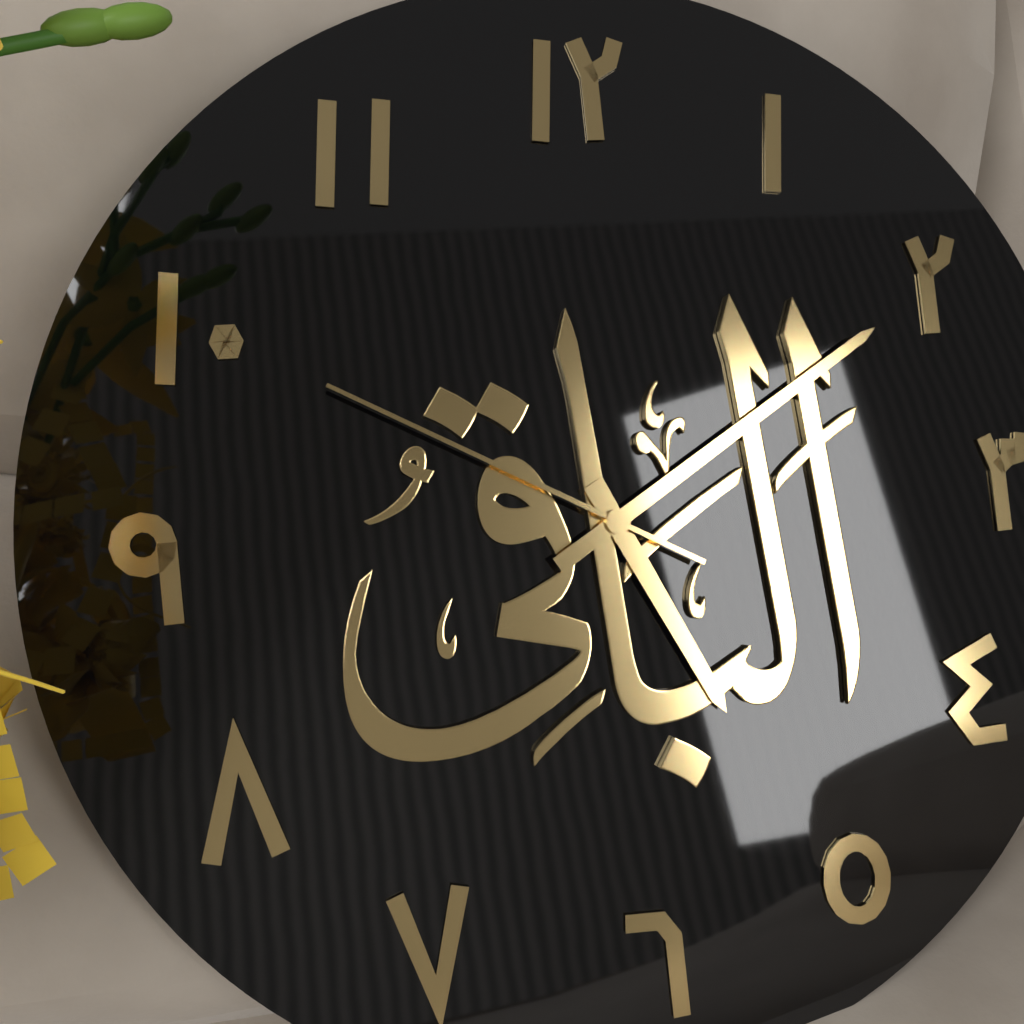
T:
5.10.50
